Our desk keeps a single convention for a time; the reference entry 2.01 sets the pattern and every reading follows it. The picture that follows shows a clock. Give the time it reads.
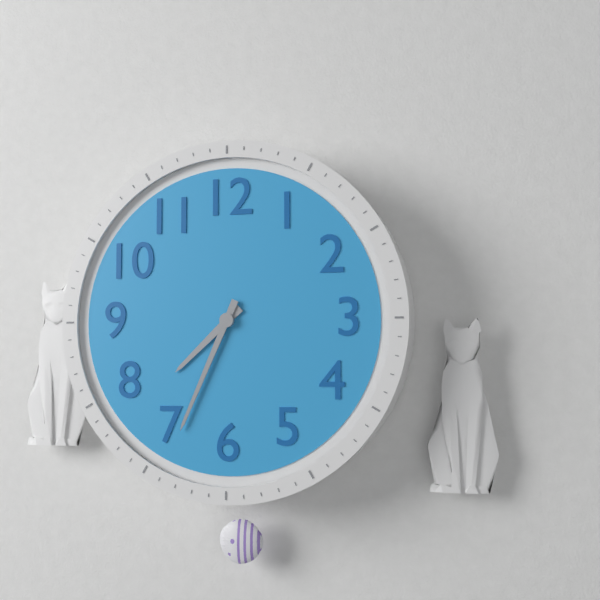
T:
7.34
